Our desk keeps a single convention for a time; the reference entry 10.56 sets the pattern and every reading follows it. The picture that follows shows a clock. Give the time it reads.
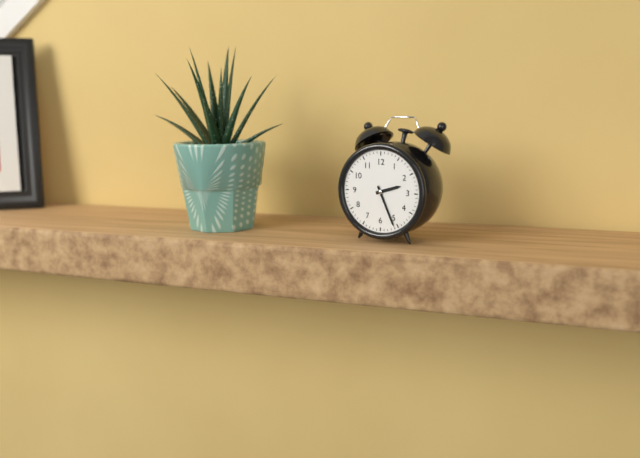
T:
2.26
